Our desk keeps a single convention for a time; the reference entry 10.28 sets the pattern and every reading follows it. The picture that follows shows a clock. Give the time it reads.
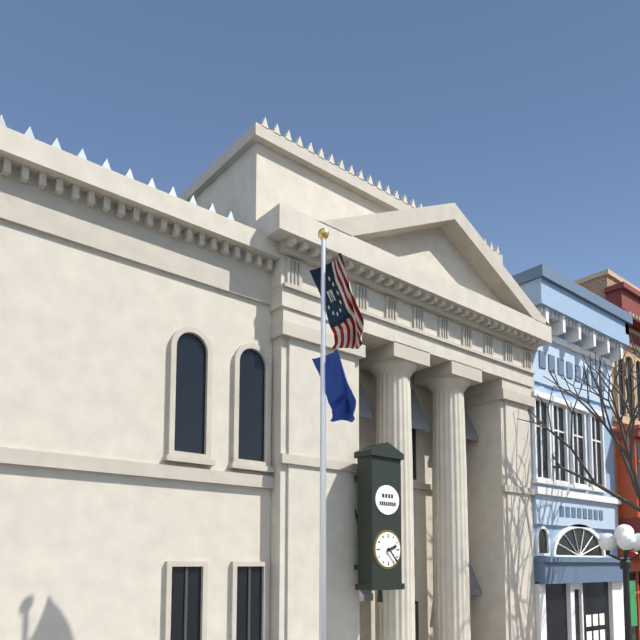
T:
2.23
